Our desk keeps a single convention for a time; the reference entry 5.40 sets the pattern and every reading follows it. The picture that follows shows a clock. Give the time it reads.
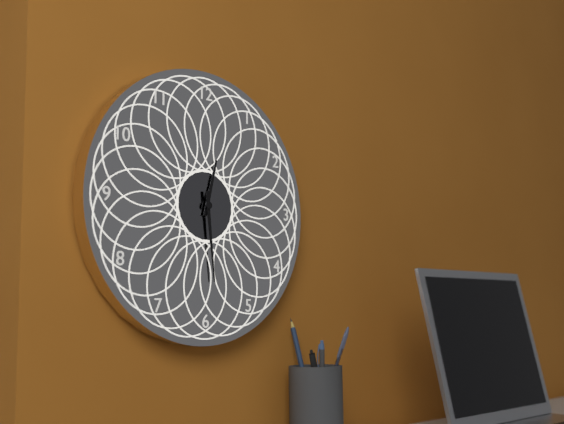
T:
12.29
